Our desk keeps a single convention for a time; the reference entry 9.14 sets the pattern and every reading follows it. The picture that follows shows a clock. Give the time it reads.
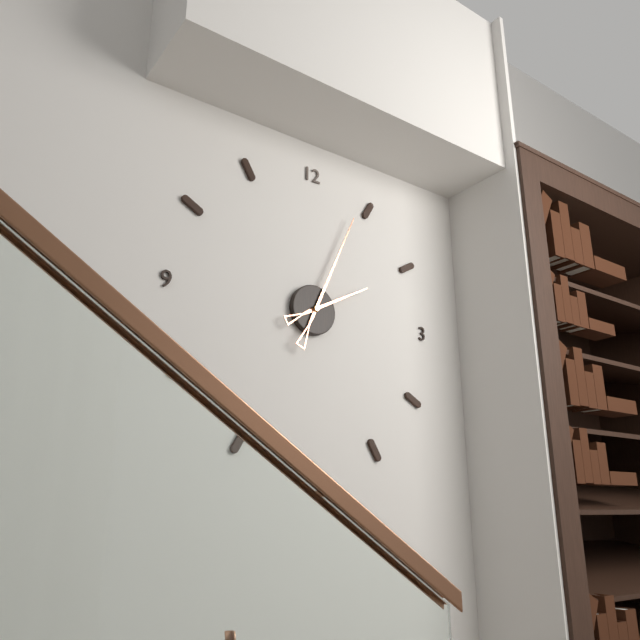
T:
2.04
